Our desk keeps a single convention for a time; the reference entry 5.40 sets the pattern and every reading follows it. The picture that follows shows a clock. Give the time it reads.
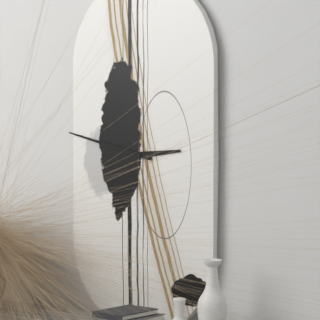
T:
2.47
